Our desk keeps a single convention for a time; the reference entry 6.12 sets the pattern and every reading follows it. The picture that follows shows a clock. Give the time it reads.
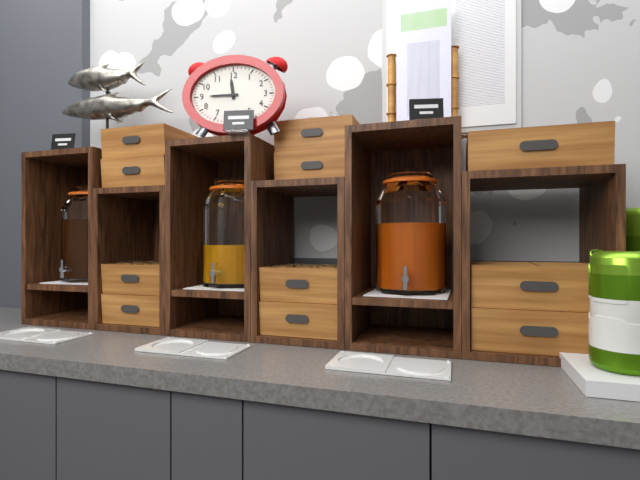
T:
11.45
